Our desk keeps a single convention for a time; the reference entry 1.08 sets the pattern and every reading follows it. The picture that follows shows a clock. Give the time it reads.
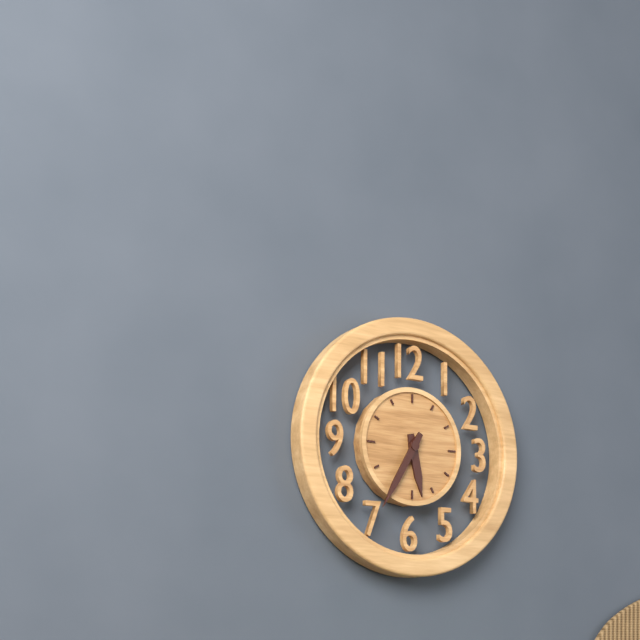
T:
5.35
